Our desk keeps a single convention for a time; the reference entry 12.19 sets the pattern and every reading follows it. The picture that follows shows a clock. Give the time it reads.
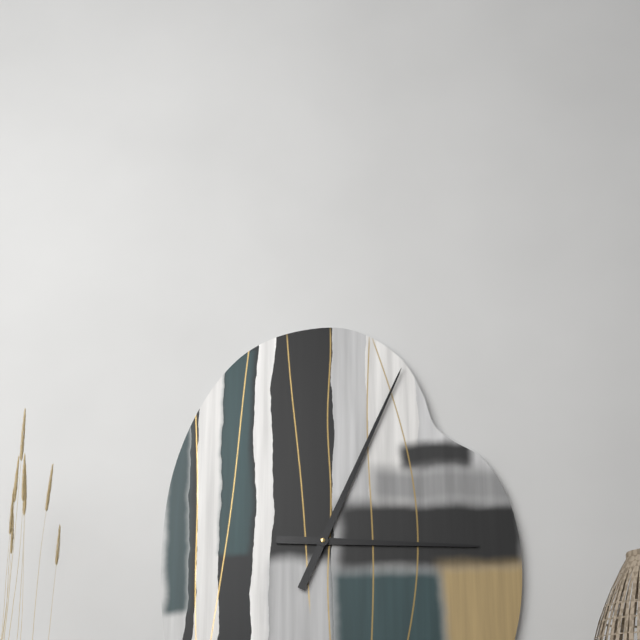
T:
3.04
